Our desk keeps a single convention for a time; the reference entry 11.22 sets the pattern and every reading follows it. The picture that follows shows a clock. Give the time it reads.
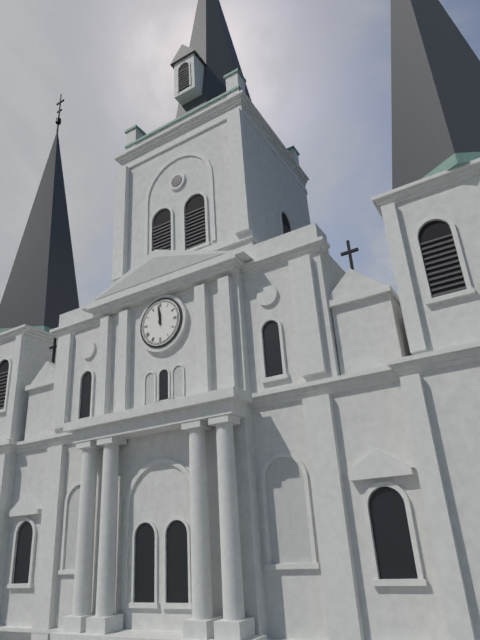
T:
11.59
